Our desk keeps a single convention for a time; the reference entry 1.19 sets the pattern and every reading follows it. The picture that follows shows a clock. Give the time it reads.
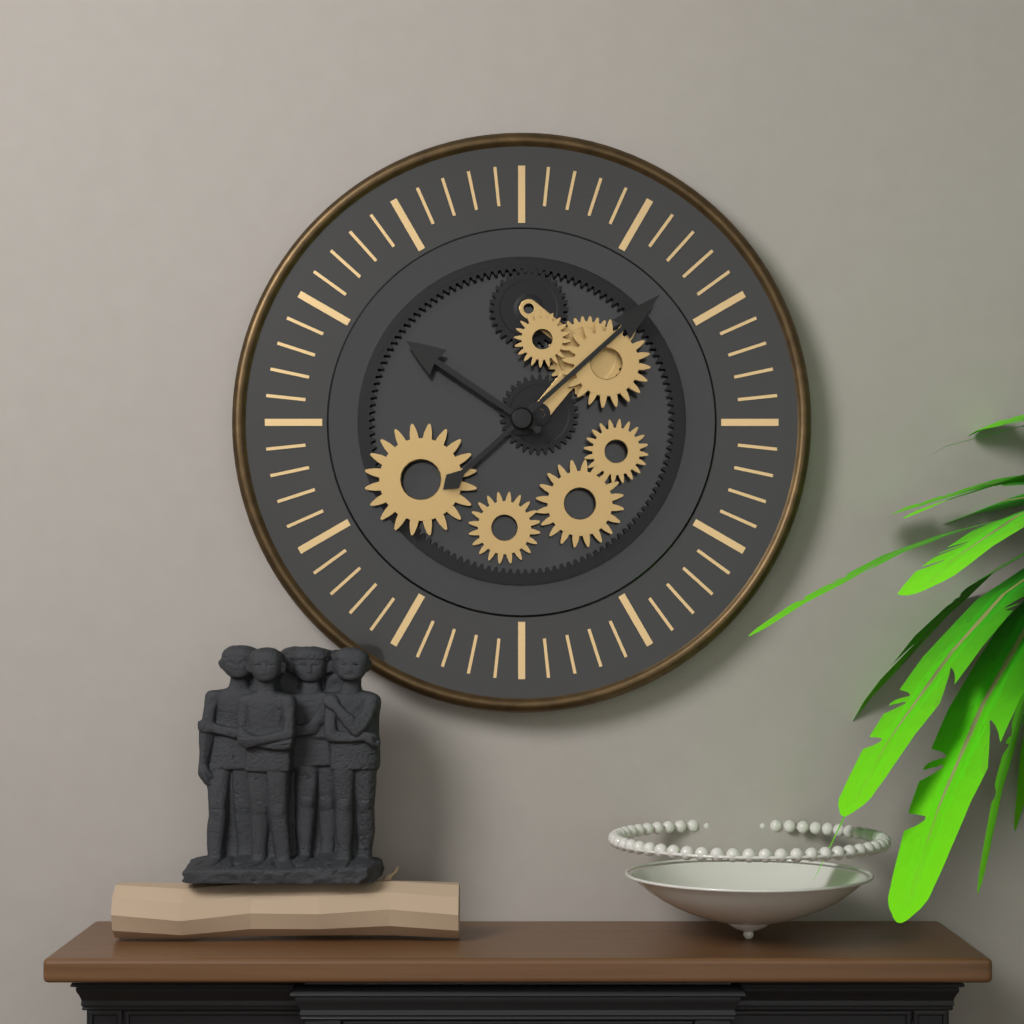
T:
10.08
